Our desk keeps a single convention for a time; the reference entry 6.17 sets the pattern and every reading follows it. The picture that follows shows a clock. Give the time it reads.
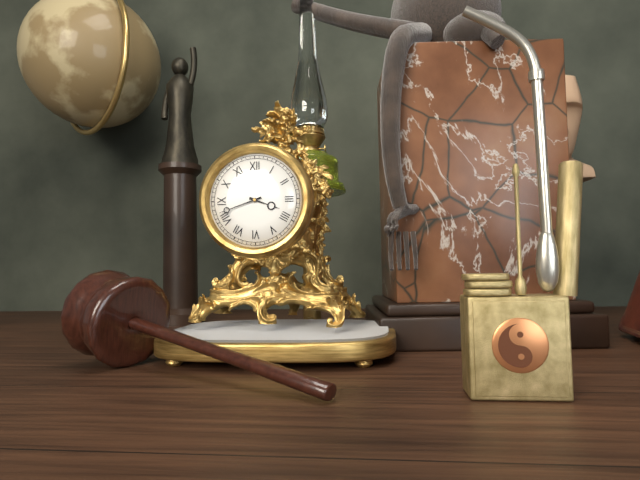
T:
3.42
